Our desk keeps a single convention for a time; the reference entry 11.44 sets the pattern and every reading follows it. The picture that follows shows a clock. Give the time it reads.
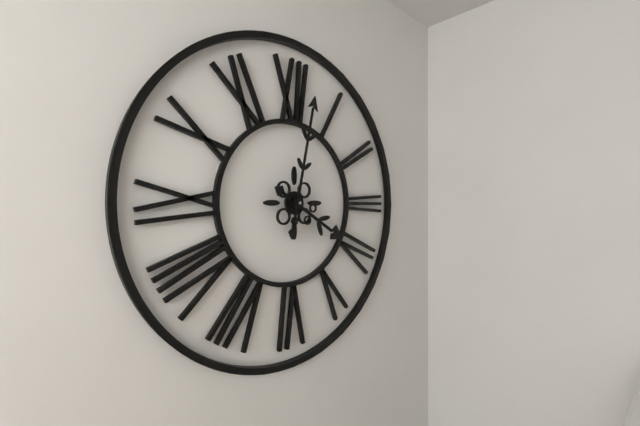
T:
4.02
